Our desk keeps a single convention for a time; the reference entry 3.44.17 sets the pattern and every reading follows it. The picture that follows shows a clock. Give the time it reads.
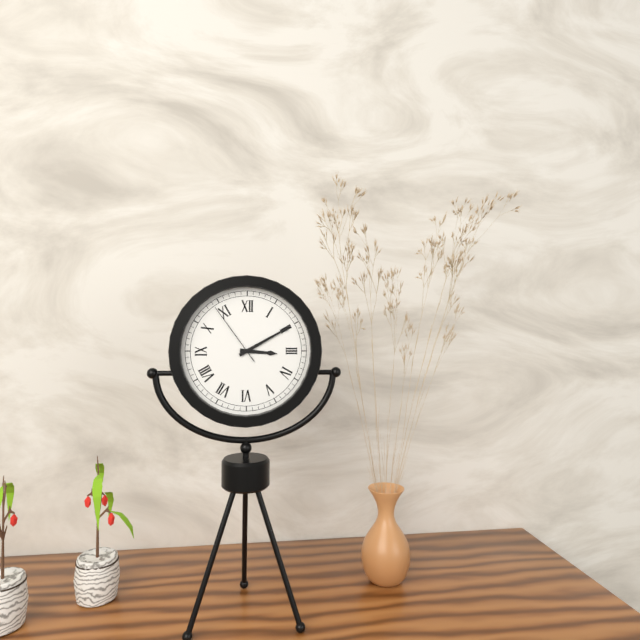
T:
3.10.54
